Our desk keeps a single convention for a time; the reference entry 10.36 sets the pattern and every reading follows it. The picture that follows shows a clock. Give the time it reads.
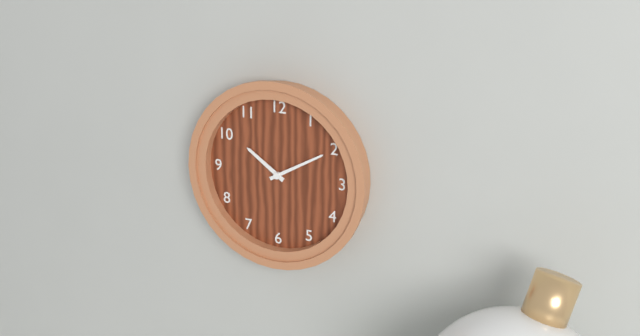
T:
10.10
